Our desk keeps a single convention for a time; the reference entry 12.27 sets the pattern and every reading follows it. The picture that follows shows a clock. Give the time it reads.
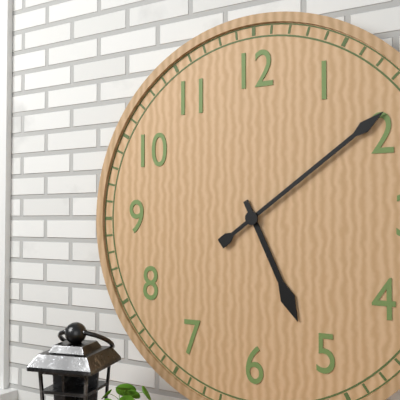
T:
5.09
